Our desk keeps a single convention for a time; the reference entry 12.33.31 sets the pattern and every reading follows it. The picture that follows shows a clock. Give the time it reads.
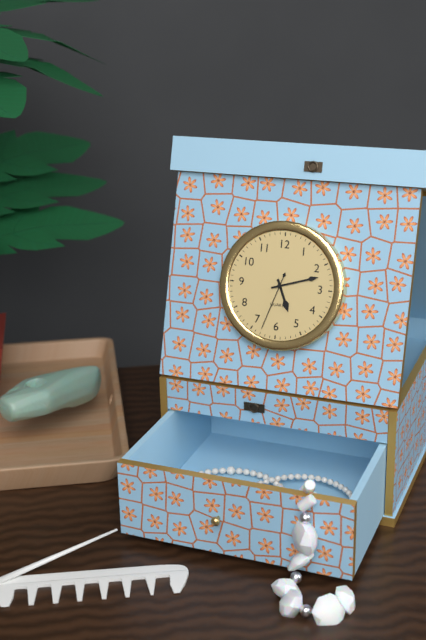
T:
5.12.33
